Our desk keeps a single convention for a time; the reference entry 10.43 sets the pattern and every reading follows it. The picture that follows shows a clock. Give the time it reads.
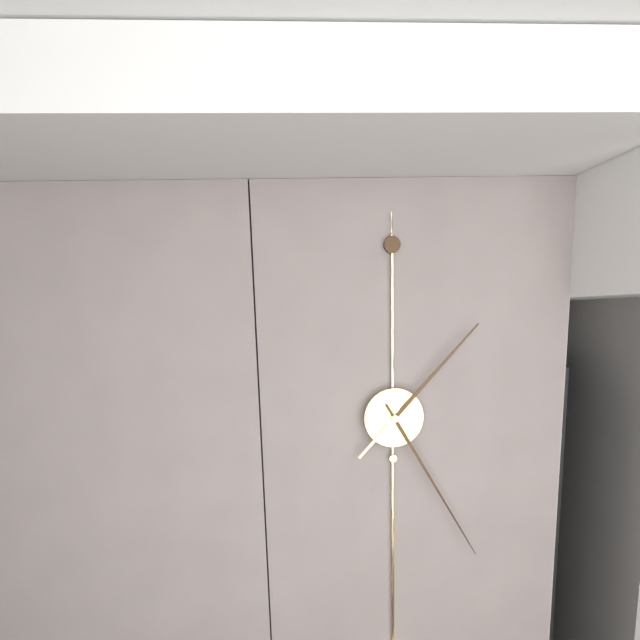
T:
1.25
